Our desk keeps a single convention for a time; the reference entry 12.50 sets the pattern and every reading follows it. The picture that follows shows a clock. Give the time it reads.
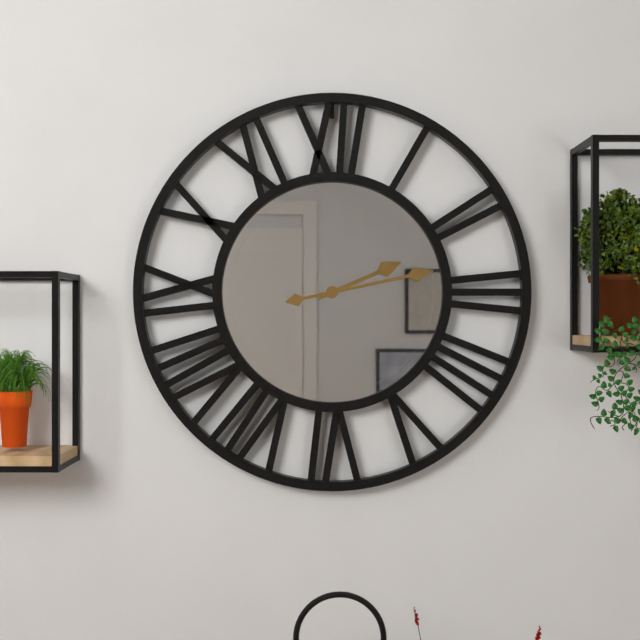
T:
2.13
